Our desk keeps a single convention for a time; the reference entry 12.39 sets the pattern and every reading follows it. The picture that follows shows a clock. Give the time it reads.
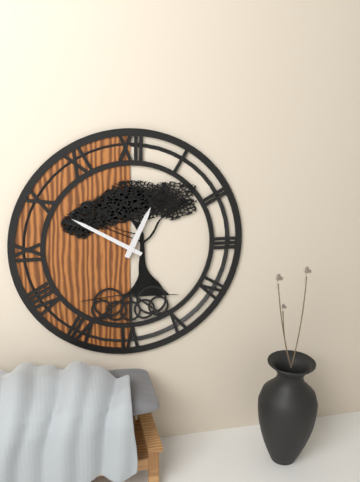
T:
12.50
